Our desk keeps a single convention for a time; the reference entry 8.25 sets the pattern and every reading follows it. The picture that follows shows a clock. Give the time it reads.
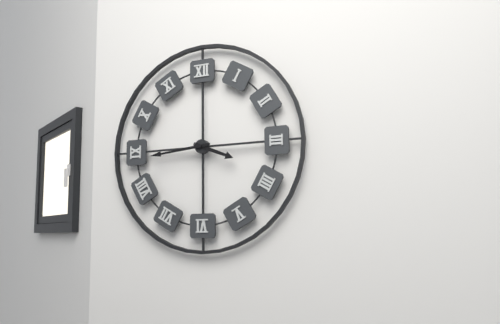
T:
3.44
